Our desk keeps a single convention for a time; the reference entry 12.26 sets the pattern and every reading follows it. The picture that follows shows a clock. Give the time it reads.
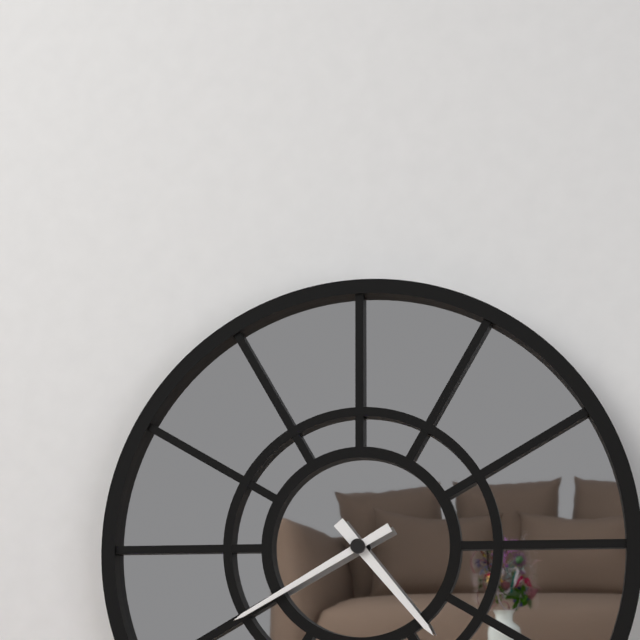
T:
4.40
